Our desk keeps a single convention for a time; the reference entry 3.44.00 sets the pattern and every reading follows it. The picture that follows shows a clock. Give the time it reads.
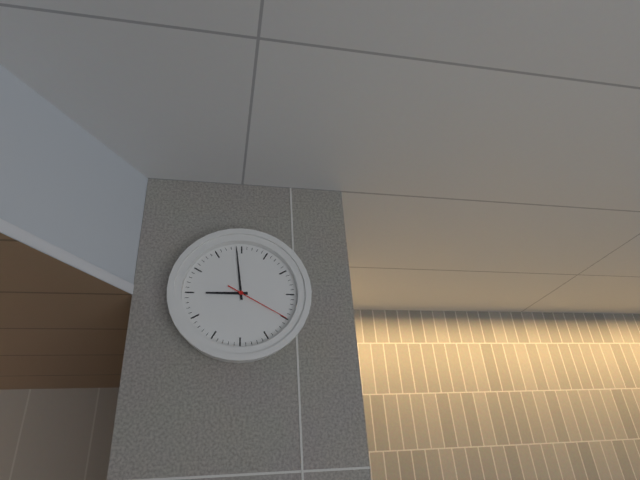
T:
8.59.20
